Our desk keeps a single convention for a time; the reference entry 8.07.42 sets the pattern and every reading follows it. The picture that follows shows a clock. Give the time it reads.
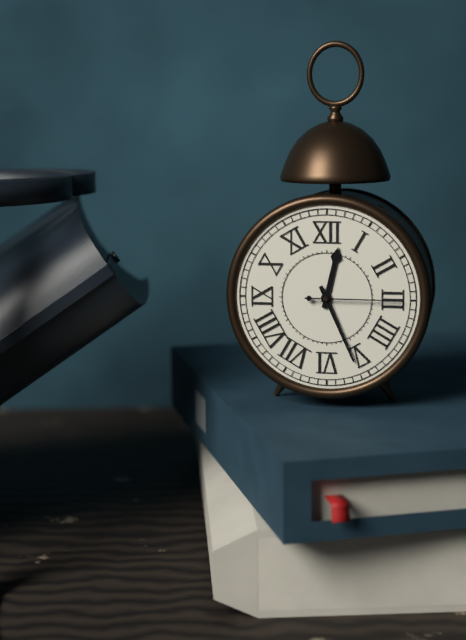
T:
12.26.15
